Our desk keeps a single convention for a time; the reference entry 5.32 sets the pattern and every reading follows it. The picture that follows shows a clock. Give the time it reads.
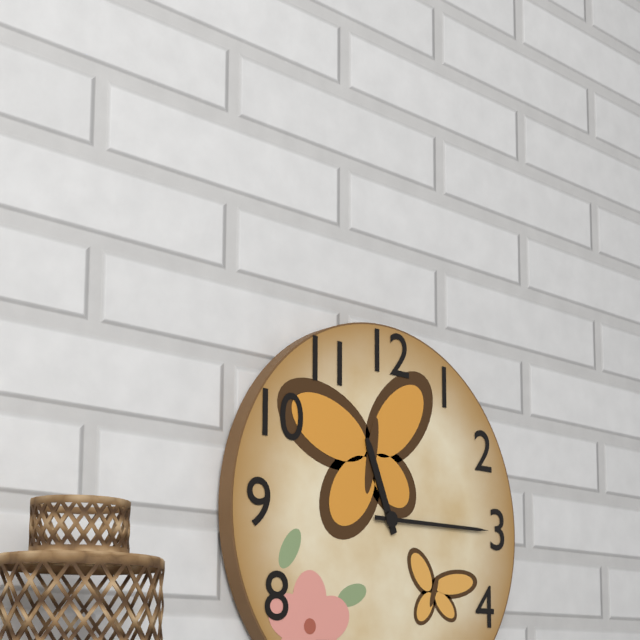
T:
11.15
